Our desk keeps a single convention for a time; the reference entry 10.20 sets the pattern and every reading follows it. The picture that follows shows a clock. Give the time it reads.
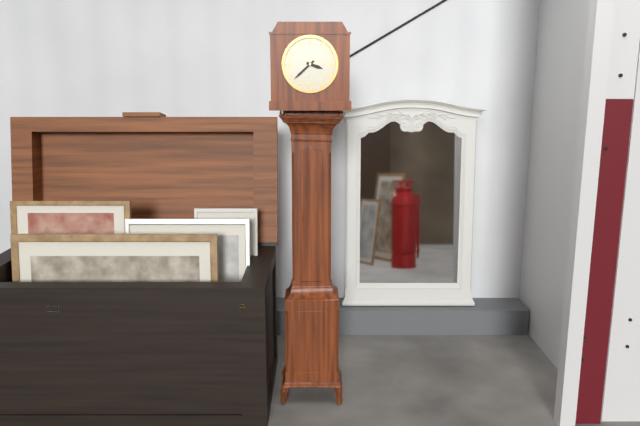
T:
3.38
